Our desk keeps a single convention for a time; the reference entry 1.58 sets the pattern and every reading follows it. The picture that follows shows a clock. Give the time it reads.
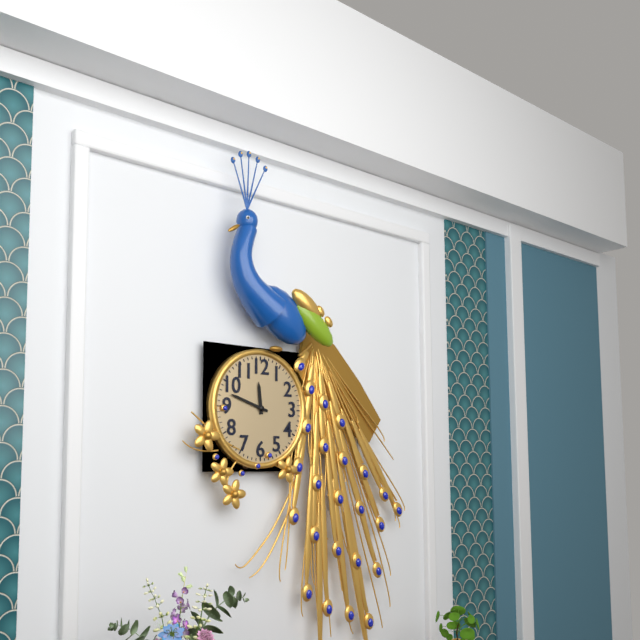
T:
11.48
